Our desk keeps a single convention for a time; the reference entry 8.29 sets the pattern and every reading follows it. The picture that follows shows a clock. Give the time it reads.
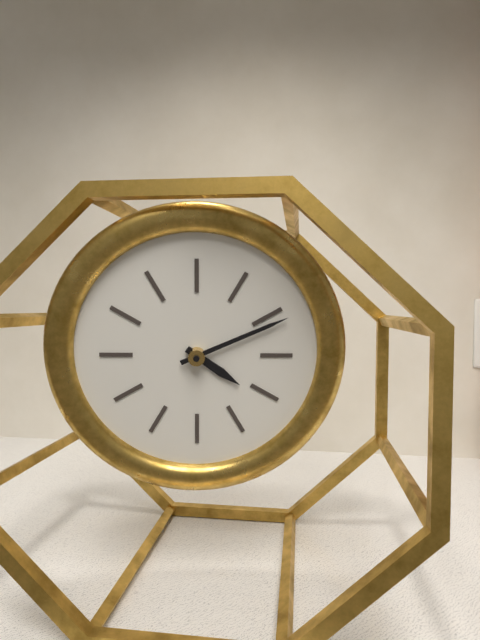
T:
4.11
